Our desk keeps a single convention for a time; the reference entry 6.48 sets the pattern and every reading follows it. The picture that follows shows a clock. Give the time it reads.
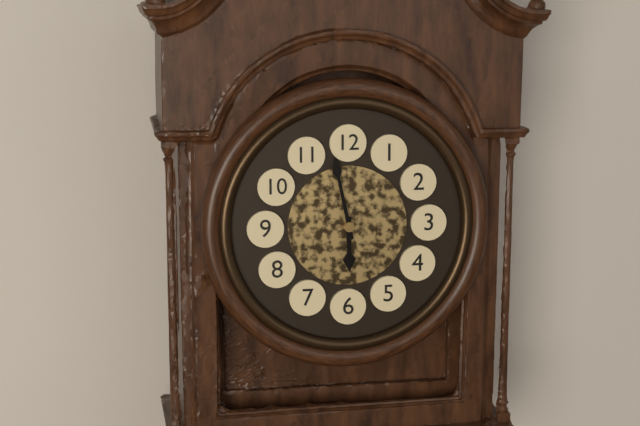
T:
5.58
